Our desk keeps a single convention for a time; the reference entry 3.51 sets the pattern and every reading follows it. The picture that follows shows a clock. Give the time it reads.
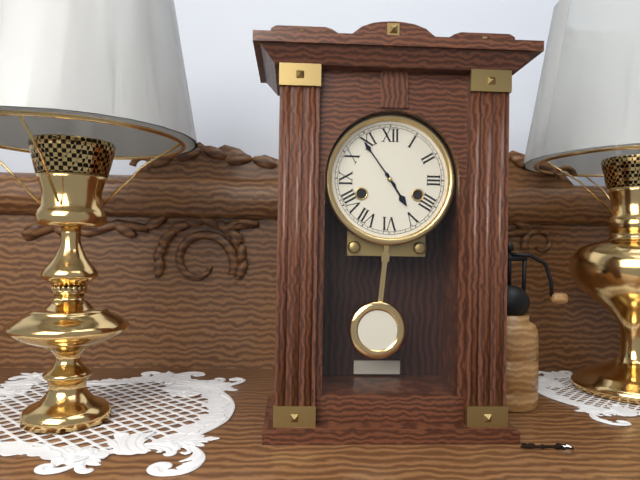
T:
4.54
